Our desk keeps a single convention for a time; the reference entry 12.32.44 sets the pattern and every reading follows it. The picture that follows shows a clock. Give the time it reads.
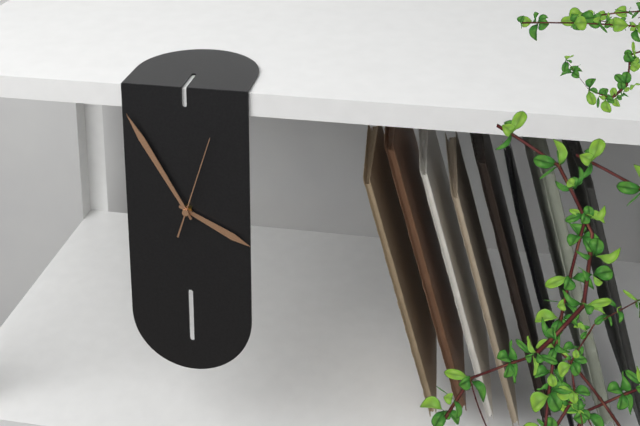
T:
3.55.03
